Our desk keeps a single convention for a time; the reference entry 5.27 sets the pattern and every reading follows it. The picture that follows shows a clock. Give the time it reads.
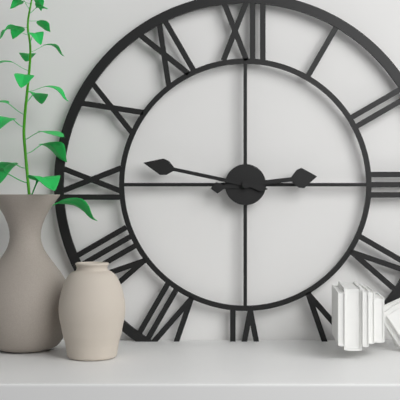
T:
2.47
